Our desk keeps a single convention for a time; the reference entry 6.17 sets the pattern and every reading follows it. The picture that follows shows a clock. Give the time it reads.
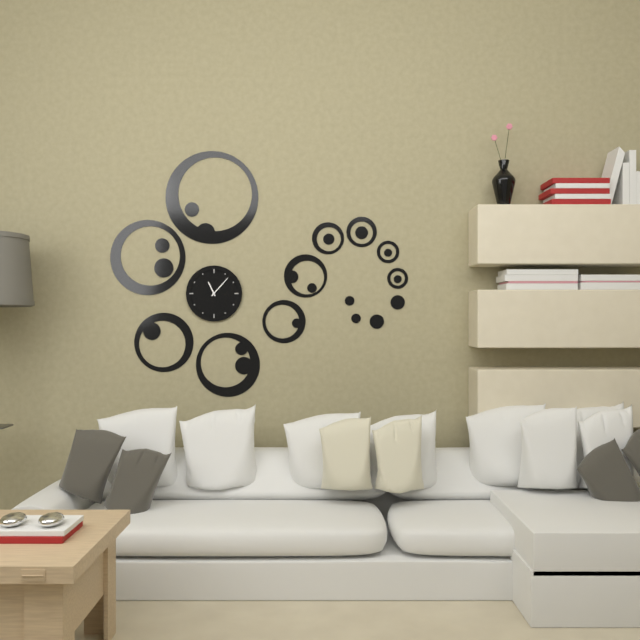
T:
11.07
